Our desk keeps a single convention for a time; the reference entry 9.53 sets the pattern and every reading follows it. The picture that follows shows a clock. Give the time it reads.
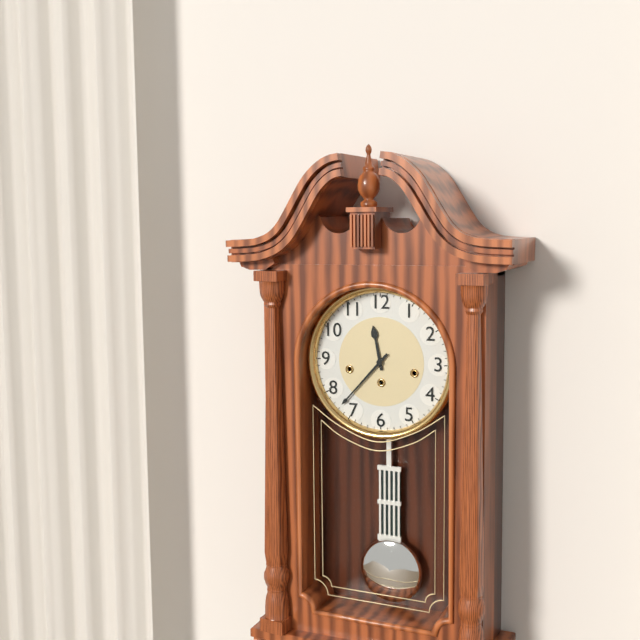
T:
11.37
